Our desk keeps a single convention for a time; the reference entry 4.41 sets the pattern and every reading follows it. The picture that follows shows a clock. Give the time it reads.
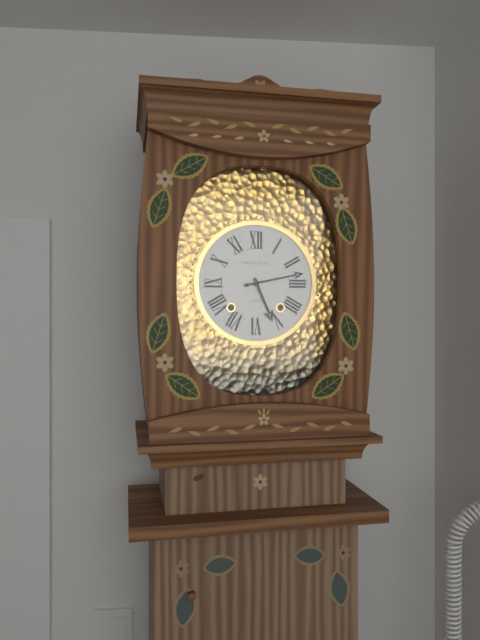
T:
5.13
